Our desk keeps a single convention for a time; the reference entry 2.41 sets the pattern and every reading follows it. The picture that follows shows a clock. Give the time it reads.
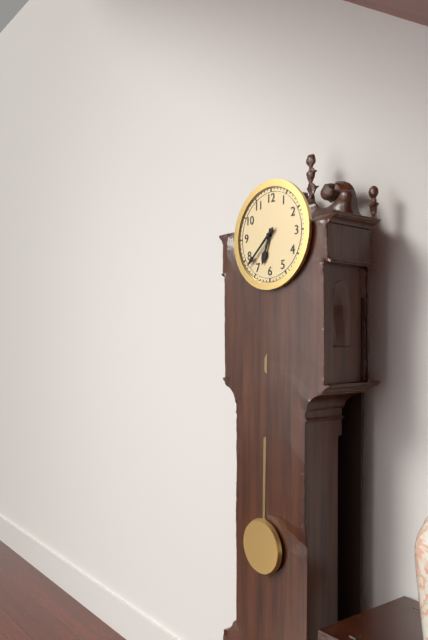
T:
6.38
